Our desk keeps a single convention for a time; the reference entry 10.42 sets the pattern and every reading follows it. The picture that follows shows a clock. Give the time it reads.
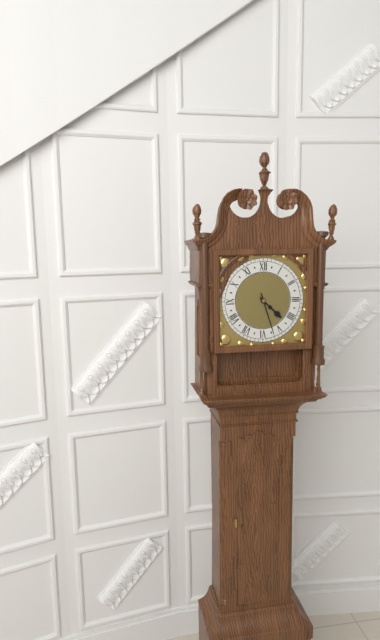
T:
4.27
